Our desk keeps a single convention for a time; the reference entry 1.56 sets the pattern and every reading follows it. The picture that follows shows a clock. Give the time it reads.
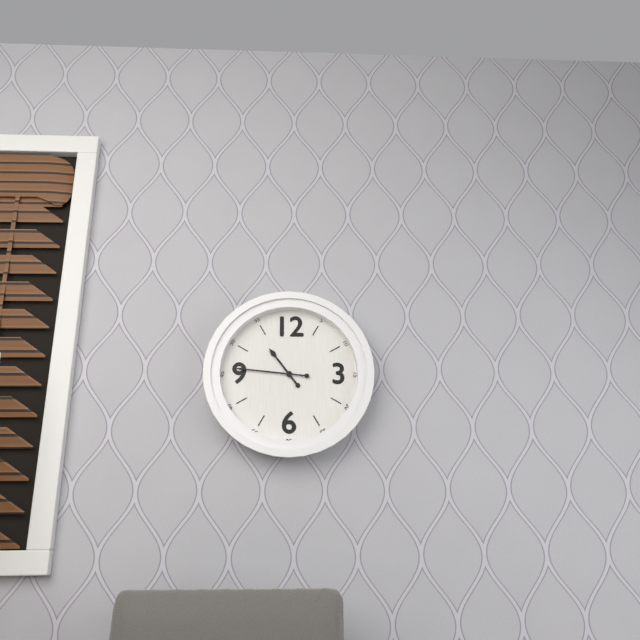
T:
10.46
